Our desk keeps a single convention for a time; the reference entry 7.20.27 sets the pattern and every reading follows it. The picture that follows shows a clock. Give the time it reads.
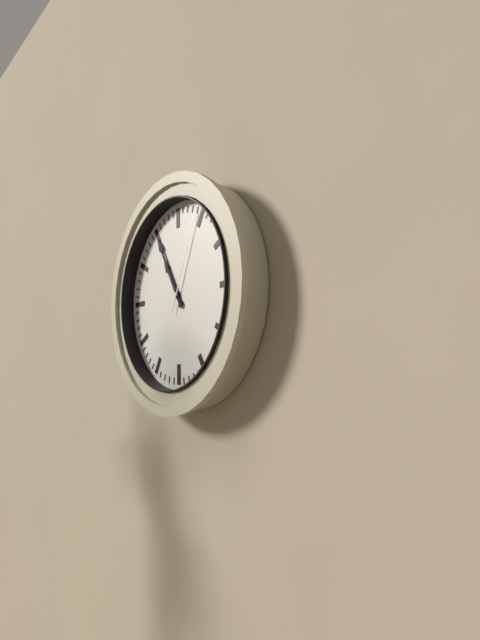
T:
10.55.04
